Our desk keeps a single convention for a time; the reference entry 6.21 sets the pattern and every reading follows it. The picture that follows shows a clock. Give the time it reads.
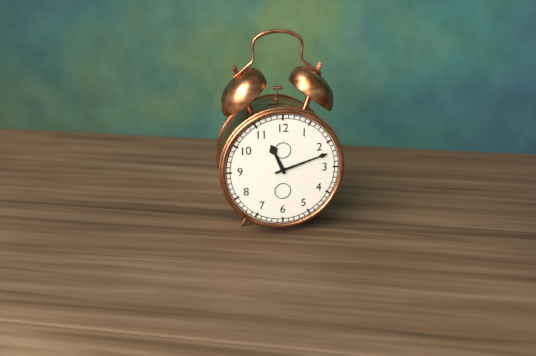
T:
11.12
